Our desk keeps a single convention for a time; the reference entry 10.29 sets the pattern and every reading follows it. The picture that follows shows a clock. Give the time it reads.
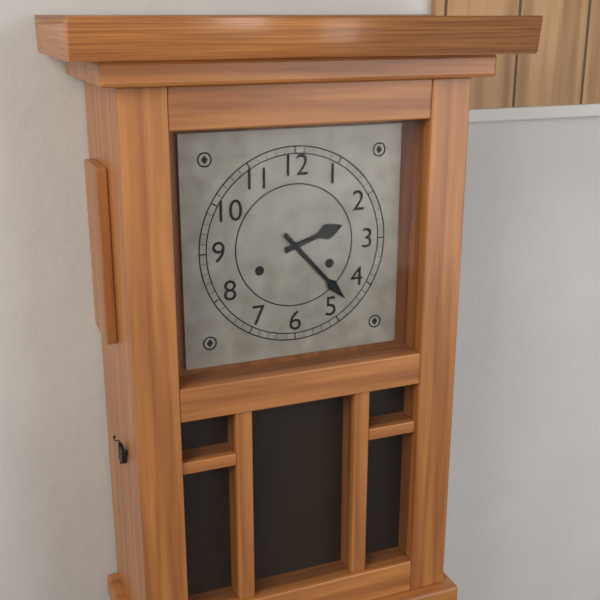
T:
2.23
